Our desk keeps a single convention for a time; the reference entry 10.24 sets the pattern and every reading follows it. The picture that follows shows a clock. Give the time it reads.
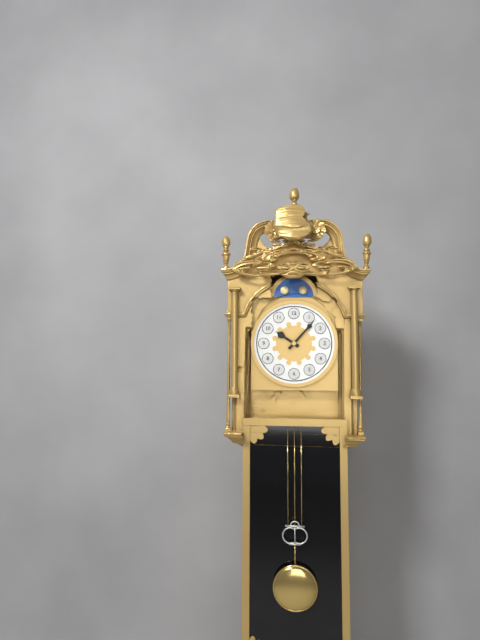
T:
10.07
